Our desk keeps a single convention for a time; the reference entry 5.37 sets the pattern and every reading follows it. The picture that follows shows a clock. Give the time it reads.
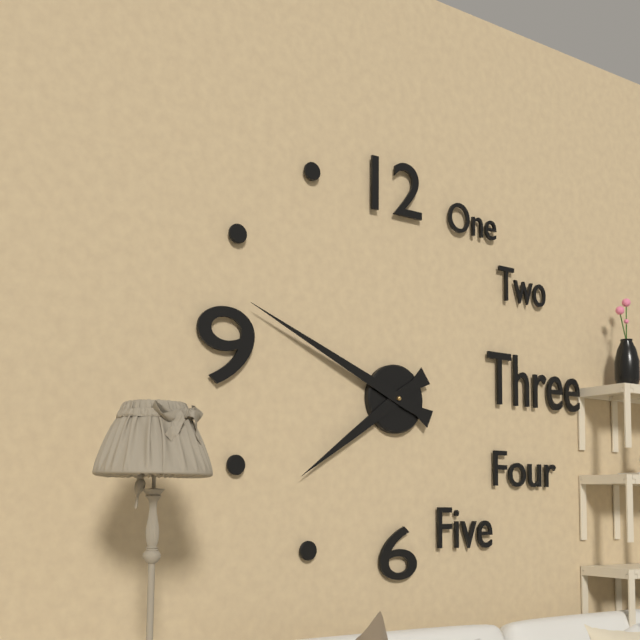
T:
7.49
